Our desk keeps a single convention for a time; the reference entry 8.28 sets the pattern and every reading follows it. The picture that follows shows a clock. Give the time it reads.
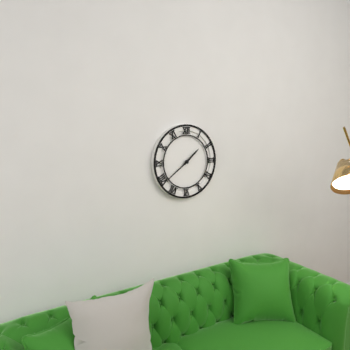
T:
1.39
